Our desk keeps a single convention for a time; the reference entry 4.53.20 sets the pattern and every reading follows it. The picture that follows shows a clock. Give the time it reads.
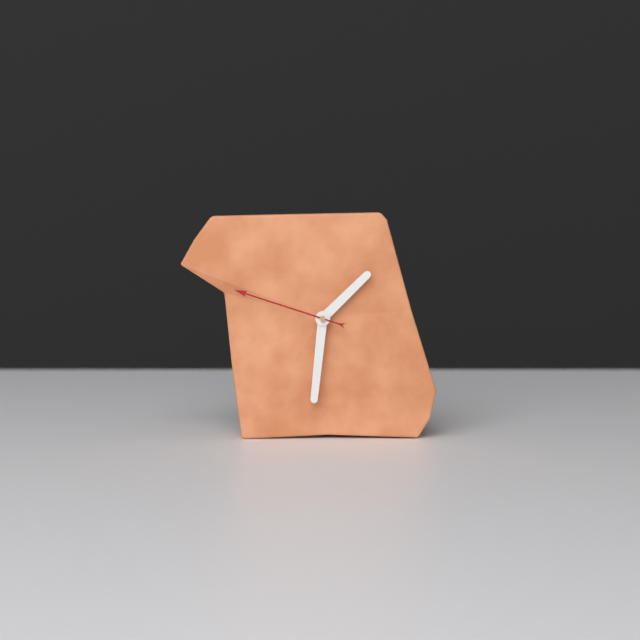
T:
1.31.48
